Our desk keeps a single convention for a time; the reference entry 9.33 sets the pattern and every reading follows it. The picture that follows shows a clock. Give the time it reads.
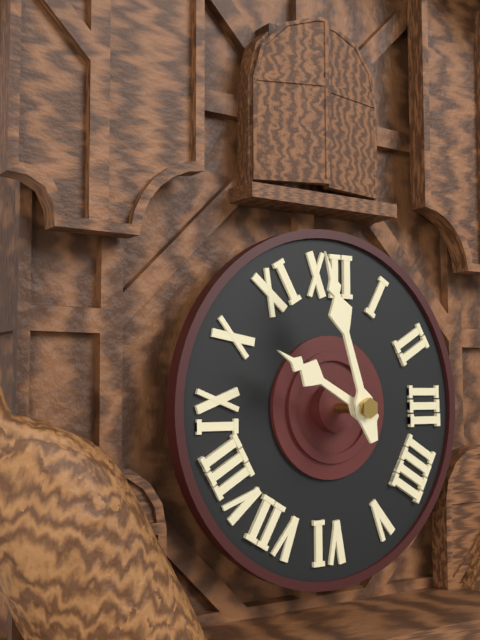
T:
9.57
